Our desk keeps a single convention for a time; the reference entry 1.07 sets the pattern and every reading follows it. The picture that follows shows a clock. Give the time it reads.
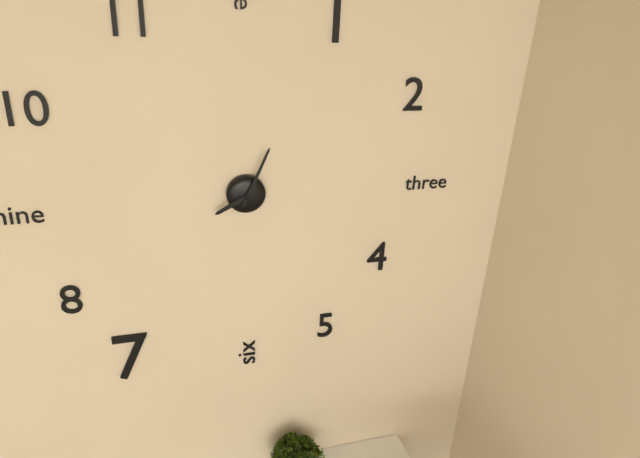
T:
8.04
